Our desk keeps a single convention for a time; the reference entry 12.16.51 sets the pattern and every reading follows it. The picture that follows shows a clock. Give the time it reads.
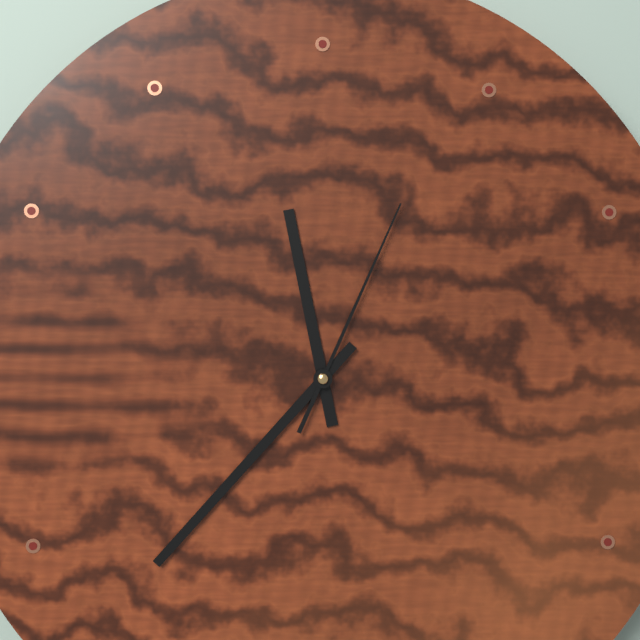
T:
11.37.04
